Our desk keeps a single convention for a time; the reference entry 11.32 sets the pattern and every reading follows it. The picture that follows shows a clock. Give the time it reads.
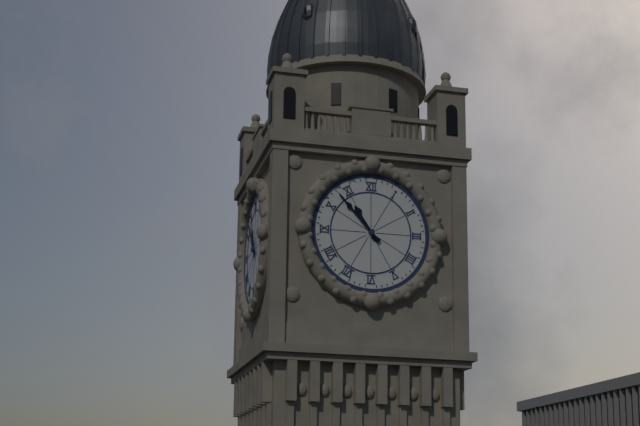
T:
10.53
